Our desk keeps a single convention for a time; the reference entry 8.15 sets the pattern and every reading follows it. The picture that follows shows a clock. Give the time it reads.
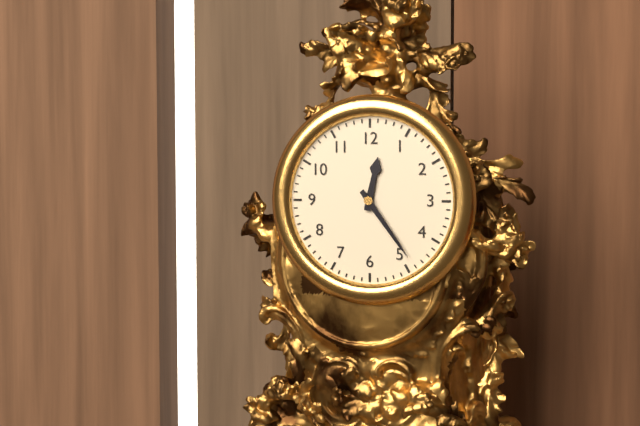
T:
12.24
